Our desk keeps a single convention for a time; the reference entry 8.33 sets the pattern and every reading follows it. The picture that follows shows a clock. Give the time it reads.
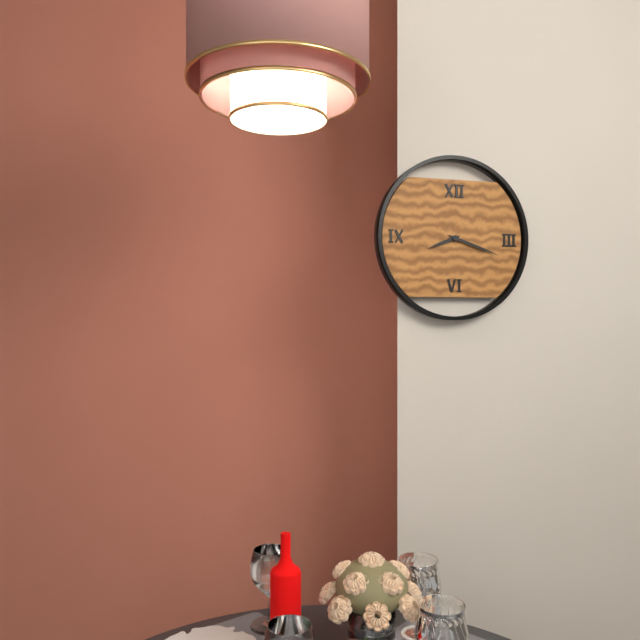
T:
8.18
